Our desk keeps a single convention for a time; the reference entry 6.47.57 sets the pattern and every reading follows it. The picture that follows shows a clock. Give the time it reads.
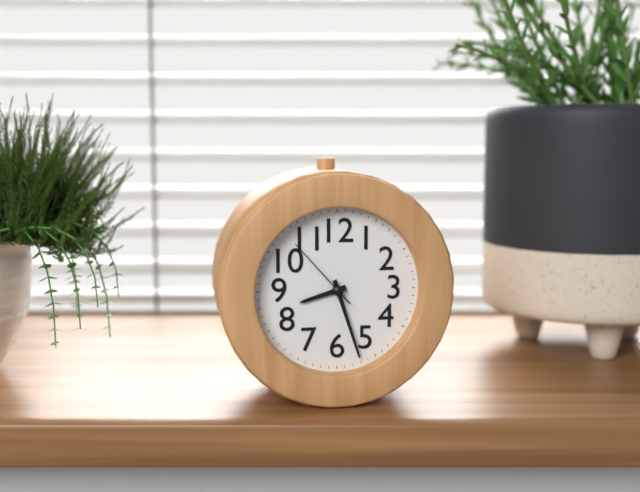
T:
8.27.53
